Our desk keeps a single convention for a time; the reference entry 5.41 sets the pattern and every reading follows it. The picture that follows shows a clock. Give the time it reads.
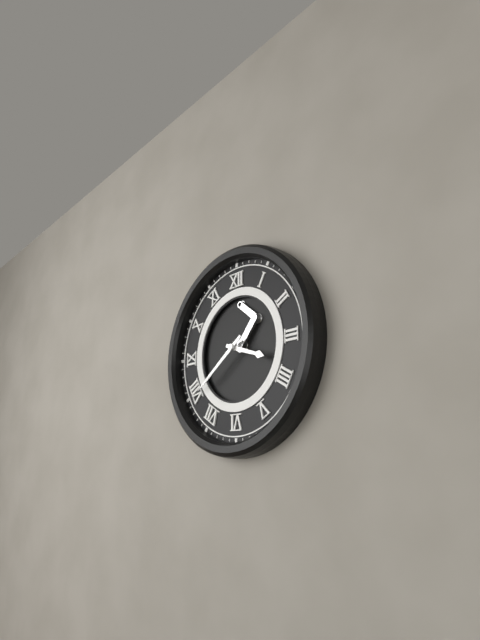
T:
3.39
